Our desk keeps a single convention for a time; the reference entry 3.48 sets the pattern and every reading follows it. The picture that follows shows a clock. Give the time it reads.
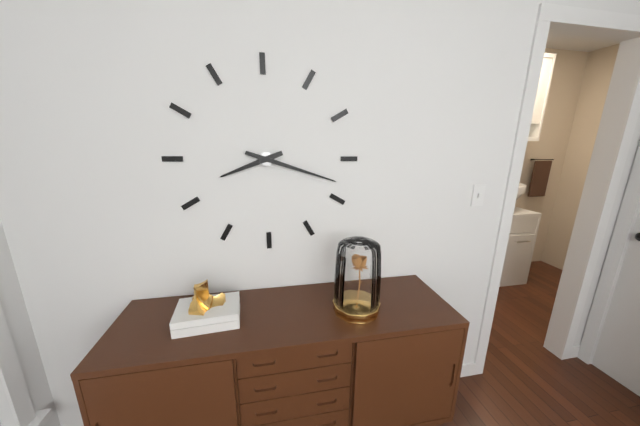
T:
8.18
